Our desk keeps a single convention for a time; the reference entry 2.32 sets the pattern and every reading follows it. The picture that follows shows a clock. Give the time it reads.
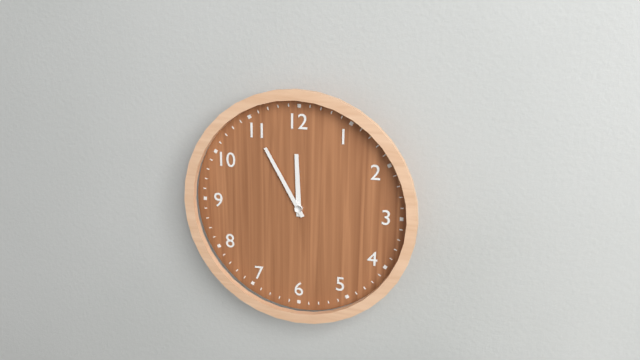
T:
11.55
